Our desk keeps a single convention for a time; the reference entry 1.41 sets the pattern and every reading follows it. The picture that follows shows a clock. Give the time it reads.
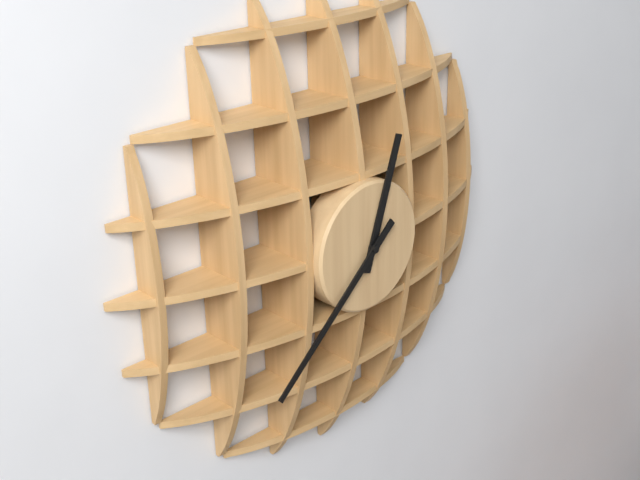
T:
12.38
